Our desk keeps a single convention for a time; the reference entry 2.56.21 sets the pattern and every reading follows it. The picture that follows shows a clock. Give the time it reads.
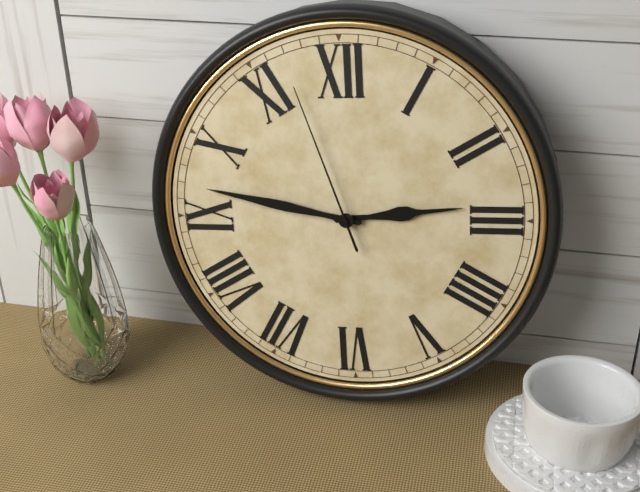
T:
2.47.57
